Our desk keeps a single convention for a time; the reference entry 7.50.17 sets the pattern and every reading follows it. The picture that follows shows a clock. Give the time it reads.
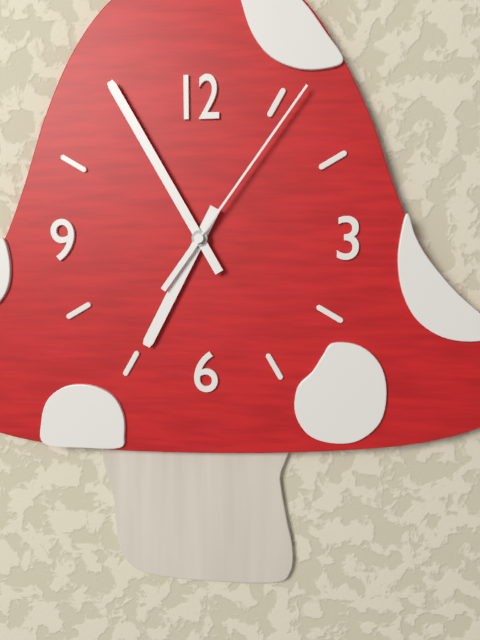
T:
6.55.06
